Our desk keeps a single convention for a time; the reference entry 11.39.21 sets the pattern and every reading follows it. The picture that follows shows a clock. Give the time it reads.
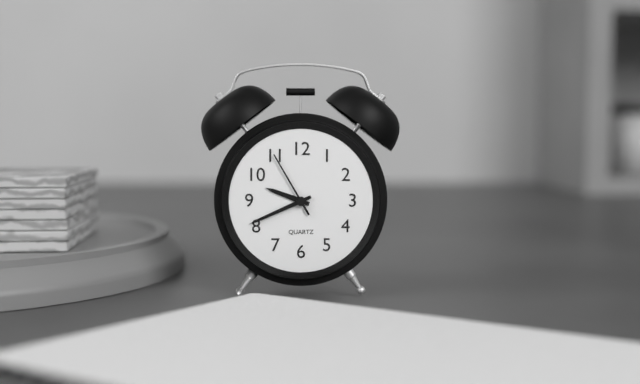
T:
9.41.55
